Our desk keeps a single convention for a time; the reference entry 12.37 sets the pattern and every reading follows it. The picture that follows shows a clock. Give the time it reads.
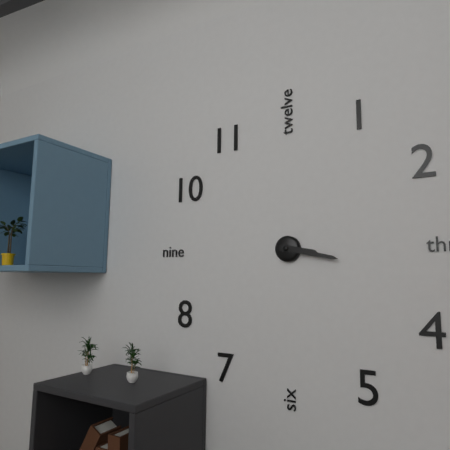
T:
3.17
